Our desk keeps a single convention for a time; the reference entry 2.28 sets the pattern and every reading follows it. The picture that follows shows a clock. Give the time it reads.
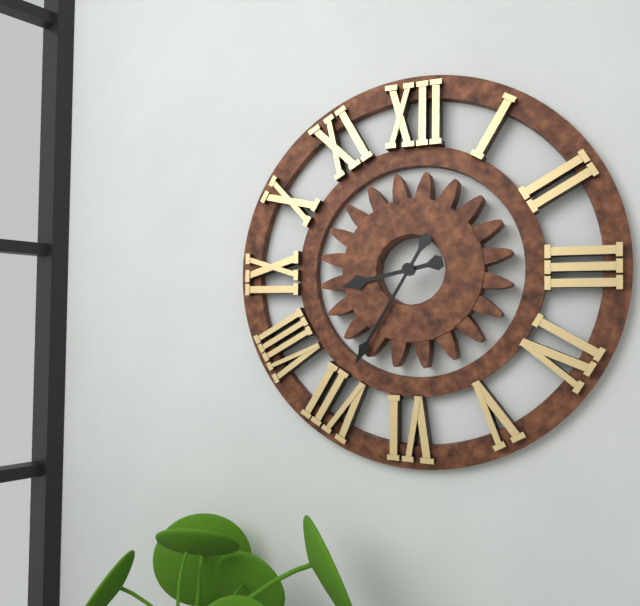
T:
8.35
